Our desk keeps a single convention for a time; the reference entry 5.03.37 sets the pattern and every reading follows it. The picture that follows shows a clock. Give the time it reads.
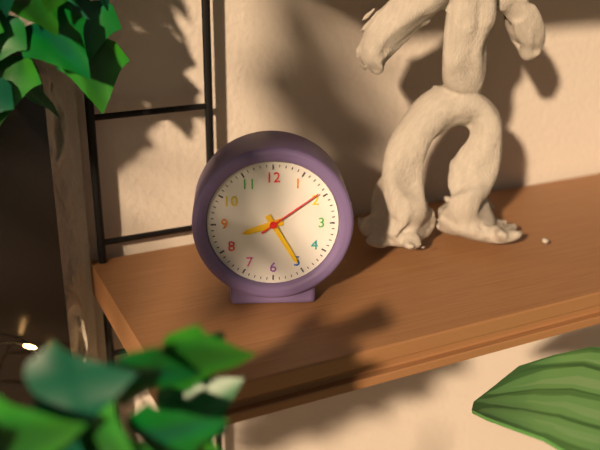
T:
8.25.09
